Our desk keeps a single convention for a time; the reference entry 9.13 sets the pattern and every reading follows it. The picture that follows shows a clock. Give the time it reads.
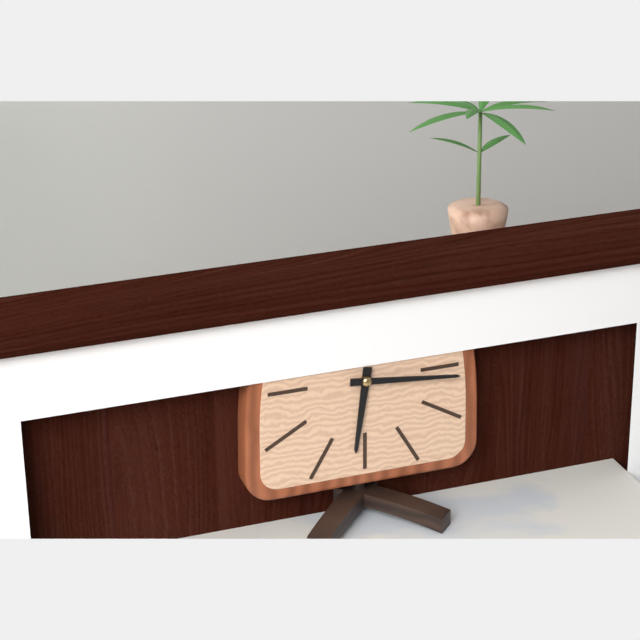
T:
6.16
